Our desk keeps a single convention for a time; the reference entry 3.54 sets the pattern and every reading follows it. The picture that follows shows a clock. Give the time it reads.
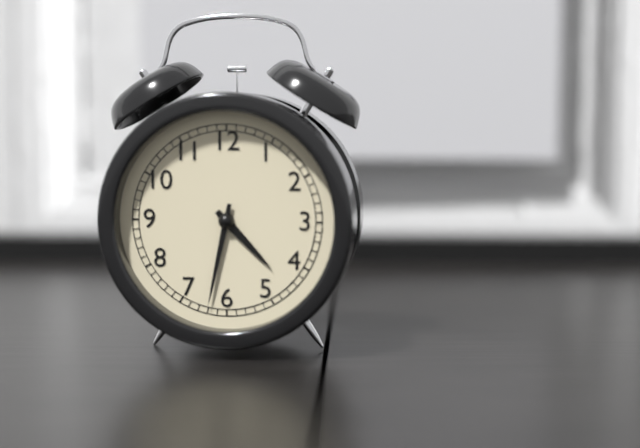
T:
4.32
